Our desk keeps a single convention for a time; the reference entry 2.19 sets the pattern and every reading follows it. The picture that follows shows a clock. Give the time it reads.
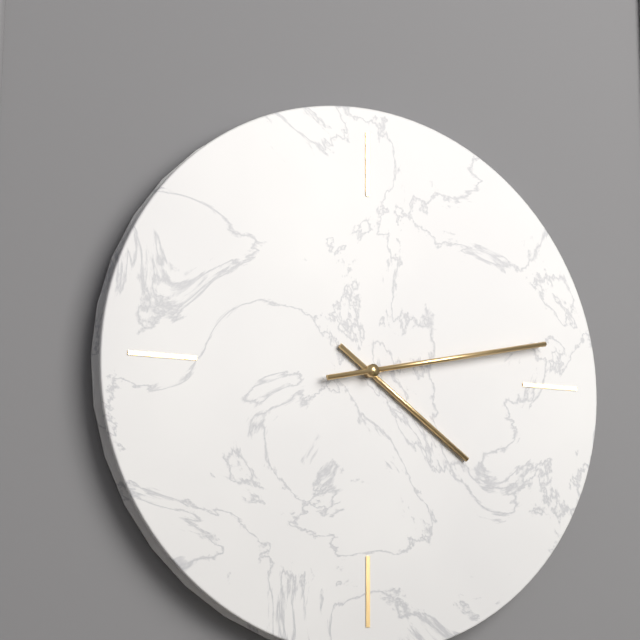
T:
4.13
